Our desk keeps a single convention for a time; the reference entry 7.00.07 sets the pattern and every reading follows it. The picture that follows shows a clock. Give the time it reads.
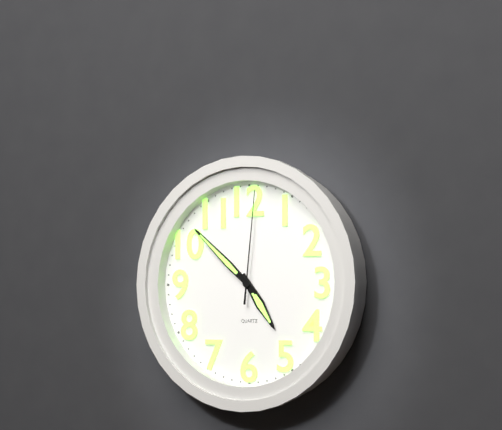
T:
4.52.01
